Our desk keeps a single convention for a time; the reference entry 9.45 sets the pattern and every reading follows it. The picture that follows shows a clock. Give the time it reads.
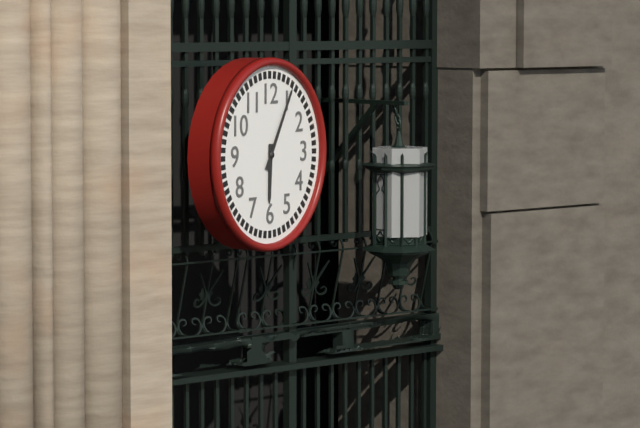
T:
6.05
